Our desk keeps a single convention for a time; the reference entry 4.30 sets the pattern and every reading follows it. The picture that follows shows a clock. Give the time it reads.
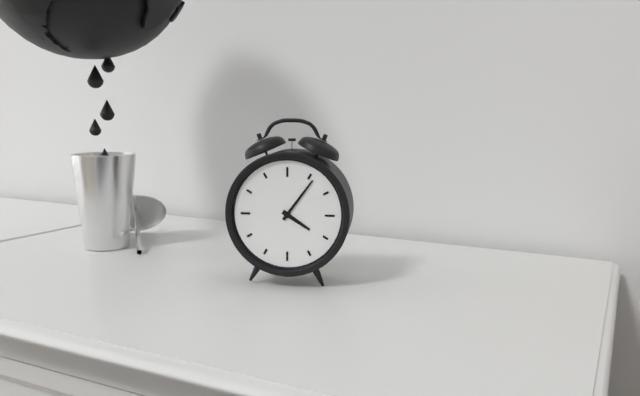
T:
4.06
